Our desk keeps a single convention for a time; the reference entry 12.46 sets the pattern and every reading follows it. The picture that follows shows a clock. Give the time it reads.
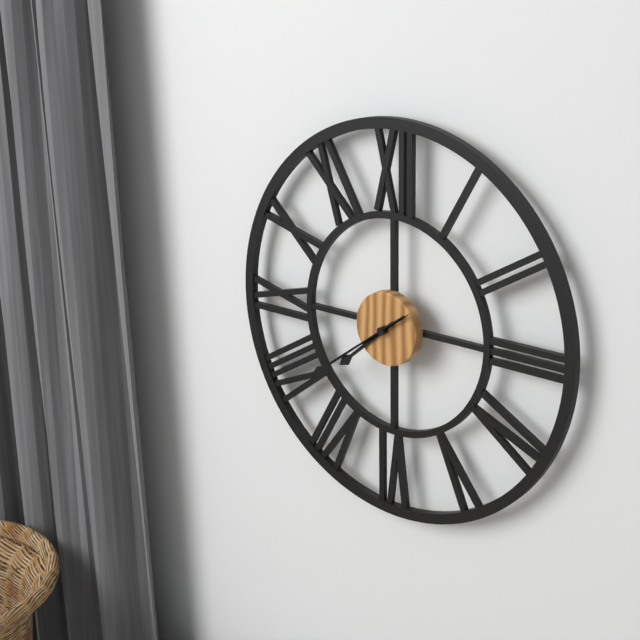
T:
7.39
